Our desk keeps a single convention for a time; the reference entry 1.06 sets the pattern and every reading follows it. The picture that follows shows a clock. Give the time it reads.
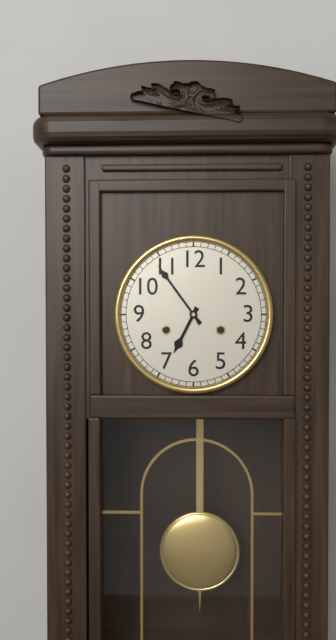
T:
6.54
